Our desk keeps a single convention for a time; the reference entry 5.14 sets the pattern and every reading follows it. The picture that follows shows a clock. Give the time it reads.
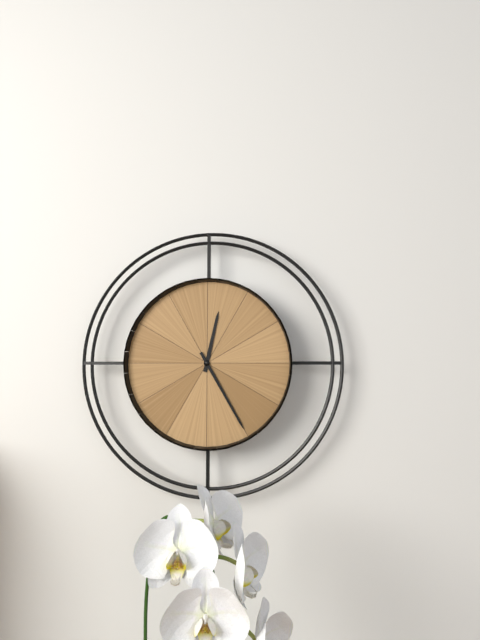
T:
12.25
